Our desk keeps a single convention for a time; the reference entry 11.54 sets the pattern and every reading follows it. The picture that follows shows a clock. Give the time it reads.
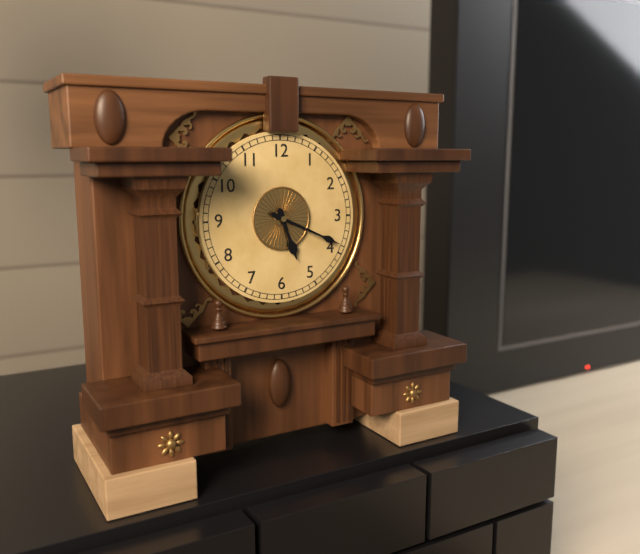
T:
5.19
